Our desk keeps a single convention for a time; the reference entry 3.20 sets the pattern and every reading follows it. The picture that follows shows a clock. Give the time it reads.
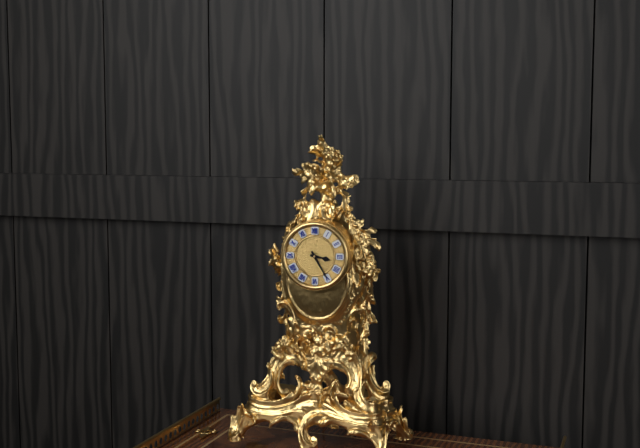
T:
3.25
